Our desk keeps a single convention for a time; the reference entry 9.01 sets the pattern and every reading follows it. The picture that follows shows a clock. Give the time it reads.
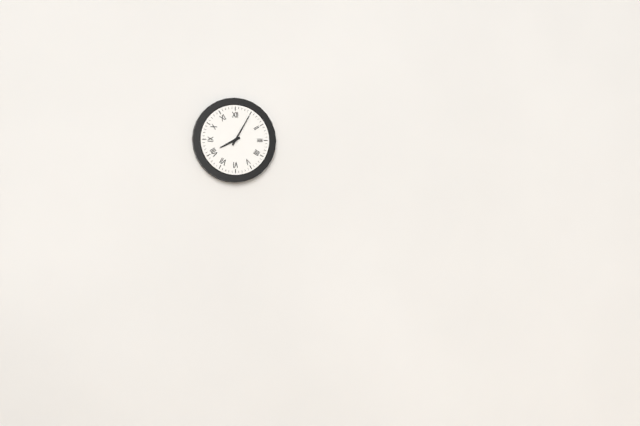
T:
8.05
